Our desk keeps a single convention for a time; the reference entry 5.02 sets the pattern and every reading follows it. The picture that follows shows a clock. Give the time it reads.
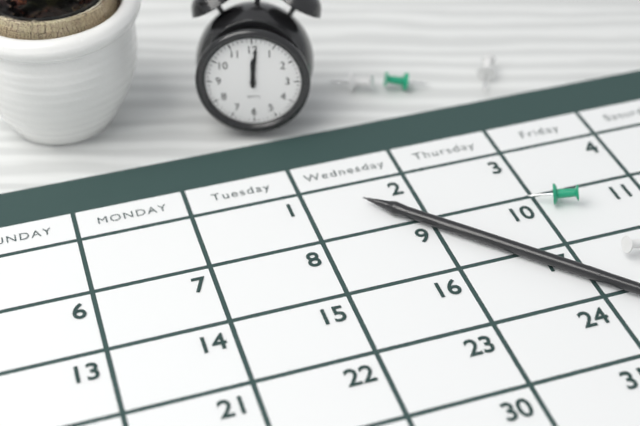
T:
12.01
